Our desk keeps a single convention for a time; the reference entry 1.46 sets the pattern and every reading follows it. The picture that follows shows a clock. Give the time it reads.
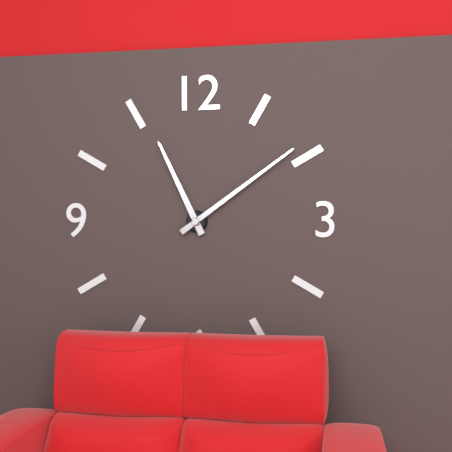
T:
11.09
